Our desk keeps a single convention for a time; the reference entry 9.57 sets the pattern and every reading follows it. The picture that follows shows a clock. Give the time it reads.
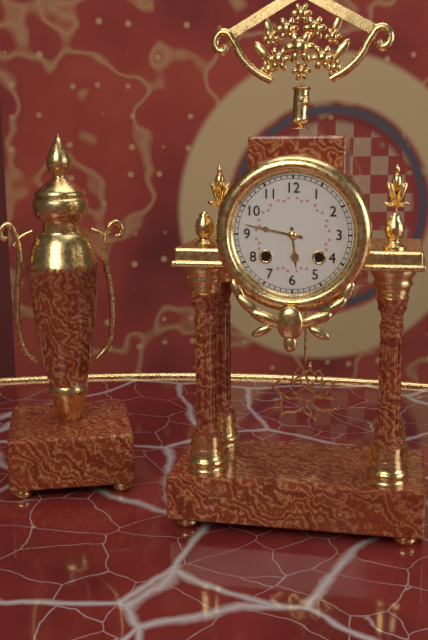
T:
5.47
